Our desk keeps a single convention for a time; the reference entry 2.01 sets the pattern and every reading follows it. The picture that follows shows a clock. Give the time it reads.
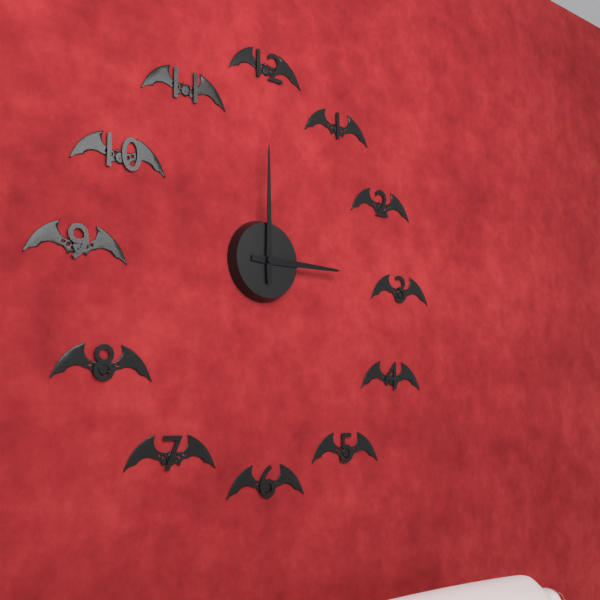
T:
3.00
